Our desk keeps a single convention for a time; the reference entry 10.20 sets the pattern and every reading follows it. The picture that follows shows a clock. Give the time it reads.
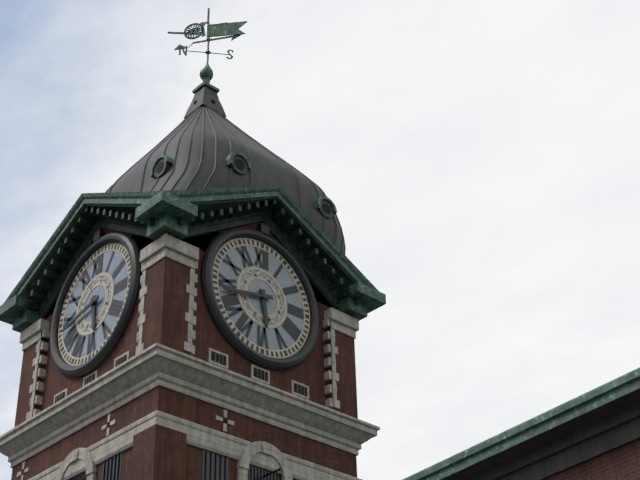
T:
5.43
